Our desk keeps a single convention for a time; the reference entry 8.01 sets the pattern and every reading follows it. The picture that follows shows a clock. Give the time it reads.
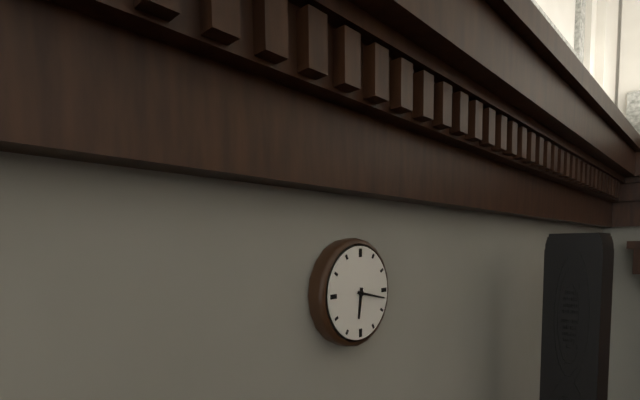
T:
6.17
